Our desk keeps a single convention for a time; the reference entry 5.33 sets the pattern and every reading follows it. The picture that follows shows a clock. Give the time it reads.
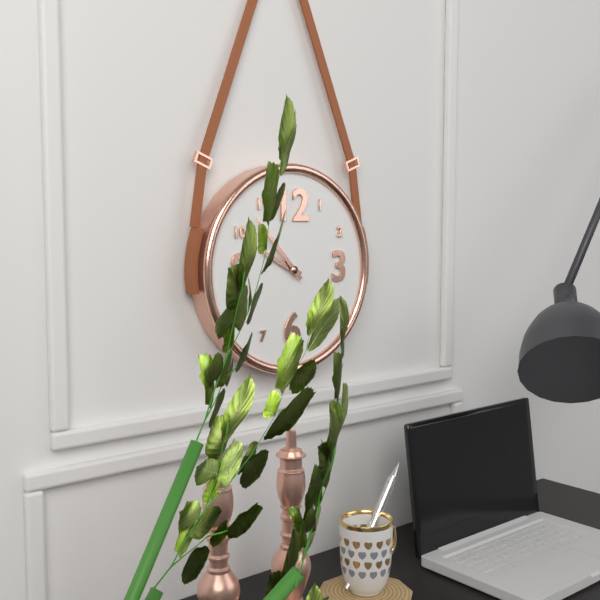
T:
9.53
